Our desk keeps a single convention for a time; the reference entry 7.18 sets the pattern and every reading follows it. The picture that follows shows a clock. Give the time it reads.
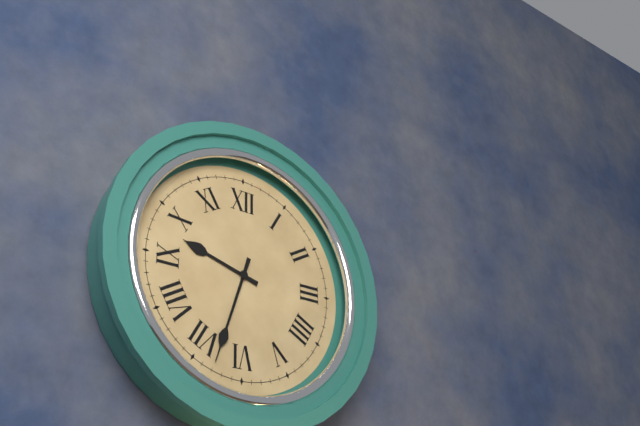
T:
9.33
